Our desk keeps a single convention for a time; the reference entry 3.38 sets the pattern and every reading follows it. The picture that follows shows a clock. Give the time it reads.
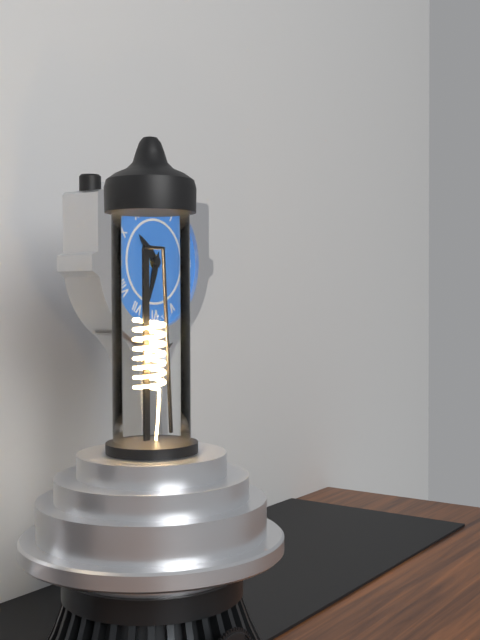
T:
10.33
